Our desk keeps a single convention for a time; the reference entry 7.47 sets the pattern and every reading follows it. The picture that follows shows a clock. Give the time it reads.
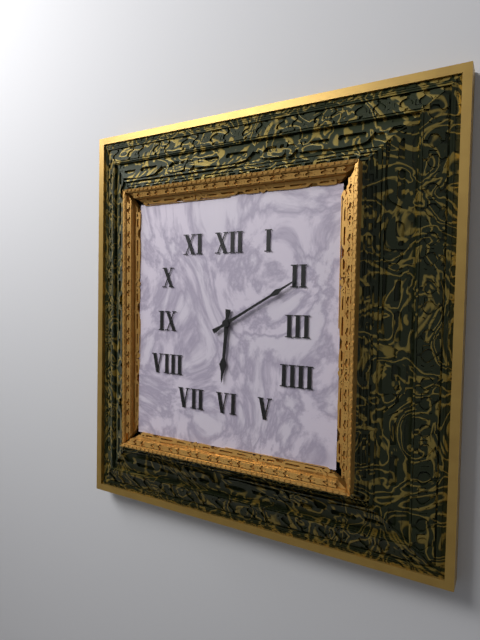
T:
6.10
